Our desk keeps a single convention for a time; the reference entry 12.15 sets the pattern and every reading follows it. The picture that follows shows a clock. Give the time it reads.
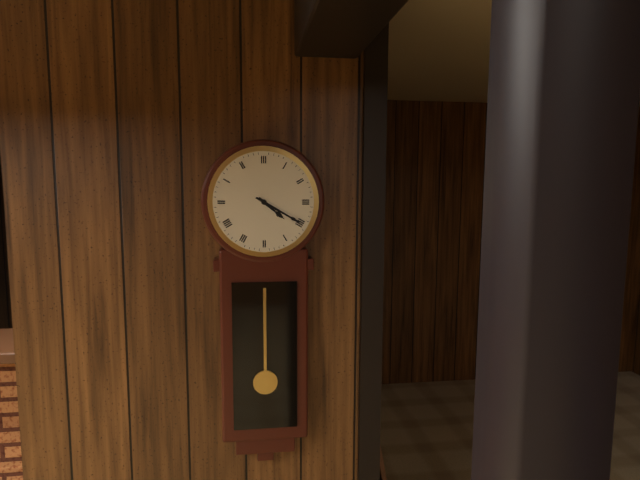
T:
4.20
